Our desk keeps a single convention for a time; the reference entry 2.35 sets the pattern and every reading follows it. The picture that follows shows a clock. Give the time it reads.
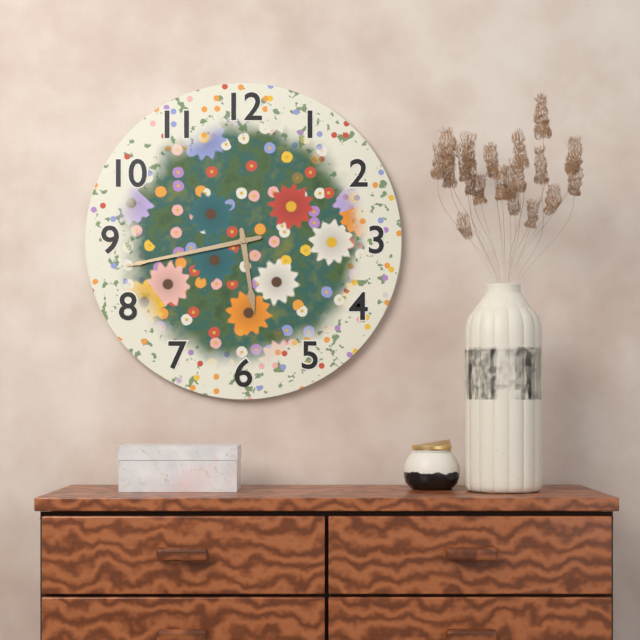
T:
5.43
